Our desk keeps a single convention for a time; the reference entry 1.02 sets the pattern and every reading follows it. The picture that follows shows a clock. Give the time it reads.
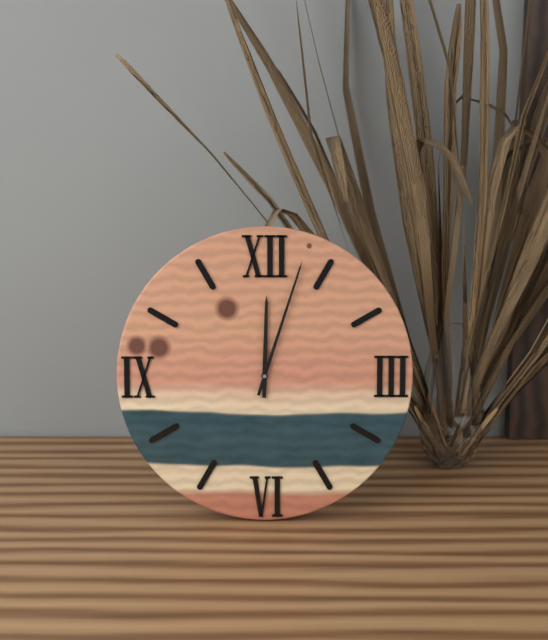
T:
12.03
